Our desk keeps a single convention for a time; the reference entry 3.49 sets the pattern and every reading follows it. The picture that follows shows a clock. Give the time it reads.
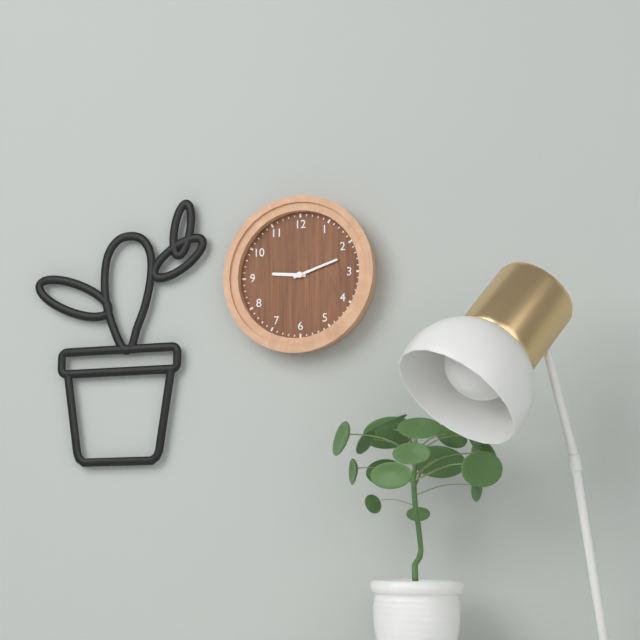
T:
9.12
